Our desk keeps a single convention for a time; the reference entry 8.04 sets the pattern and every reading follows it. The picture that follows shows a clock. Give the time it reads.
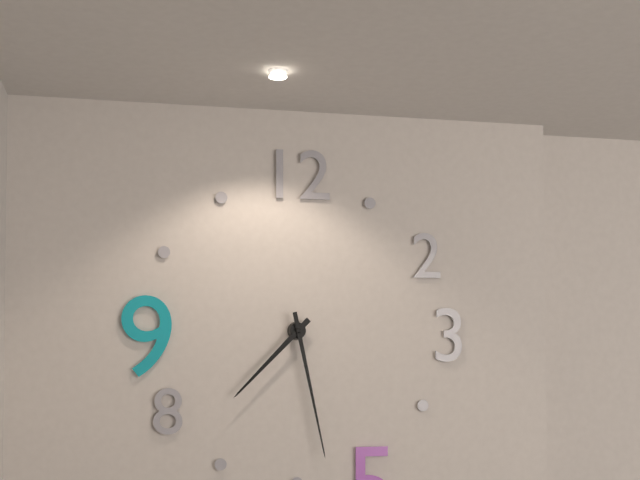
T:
7.28
